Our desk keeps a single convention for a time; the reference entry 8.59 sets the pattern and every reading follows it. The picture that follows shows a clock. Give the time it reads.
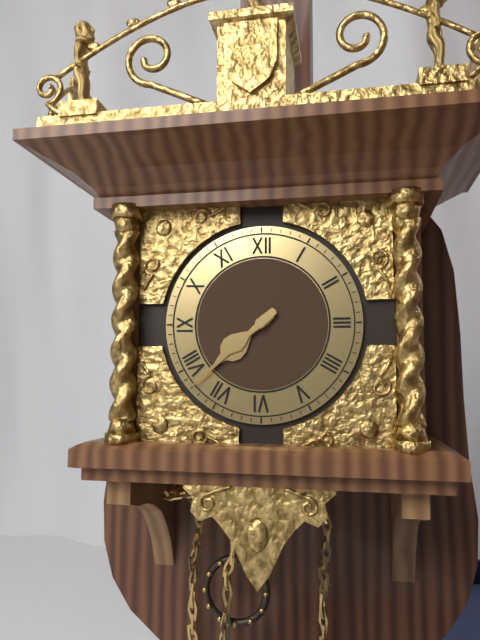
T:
7.38
